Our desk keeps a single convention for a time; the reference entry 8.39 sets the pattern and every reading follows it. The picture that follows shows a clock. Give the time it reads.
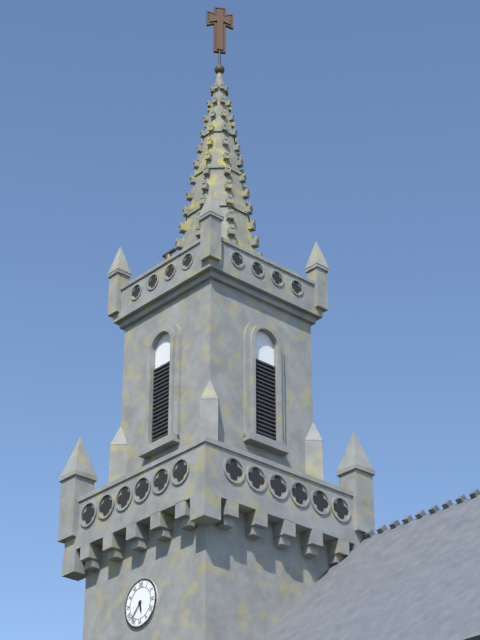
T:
5.37
